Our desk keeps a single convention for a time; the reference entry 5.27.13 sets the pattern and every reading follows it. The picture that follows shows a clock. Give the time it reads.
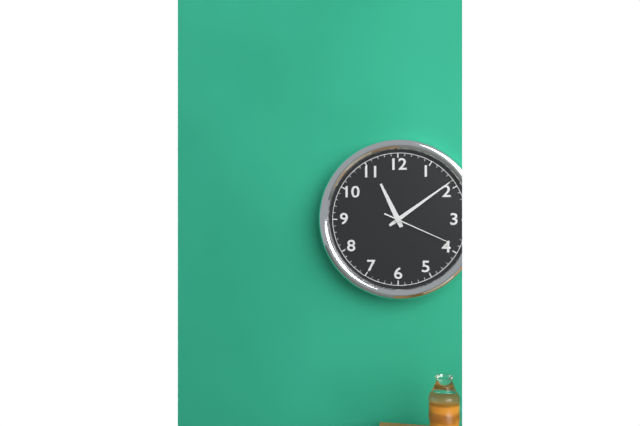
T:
11.09.19
